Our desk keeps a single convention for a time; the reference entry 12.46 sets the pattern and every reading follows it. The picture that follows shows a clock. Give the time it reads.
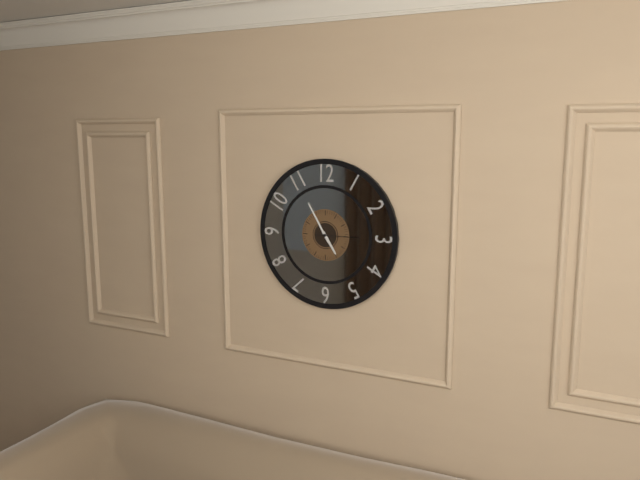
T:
4.55
